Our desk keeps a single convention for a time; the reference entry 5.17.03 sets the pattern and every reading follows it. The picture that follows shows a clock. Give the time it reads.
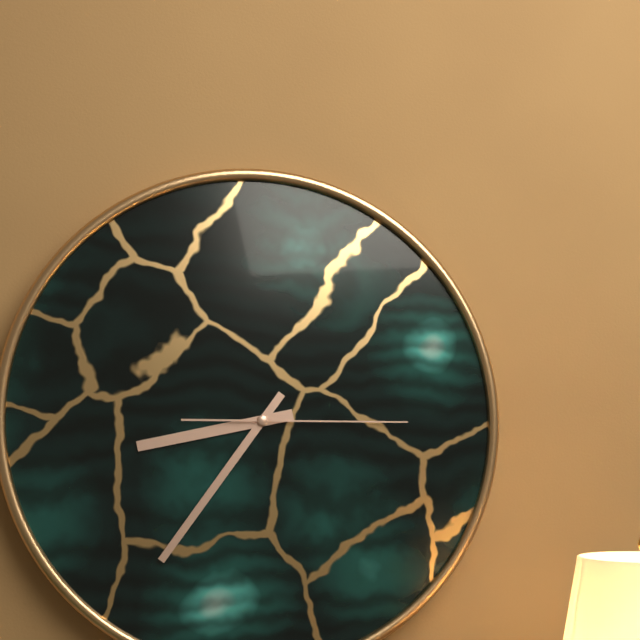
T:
8.36.15
